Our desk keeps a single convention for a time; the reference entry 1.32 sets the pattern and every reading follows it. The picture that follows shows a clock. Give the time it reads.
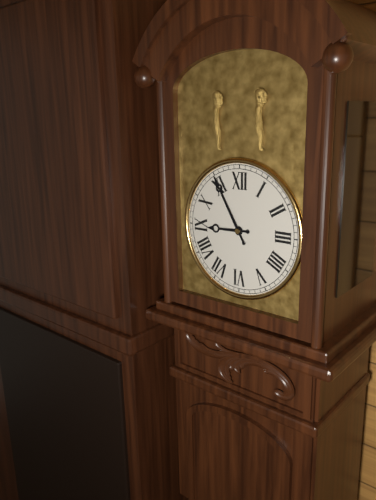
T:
8.55
